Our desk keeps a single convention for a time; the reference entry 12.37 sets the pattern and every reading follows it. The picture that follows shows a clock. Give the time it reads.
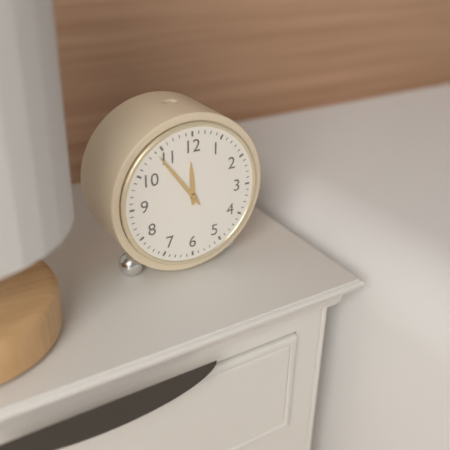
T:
11.54
